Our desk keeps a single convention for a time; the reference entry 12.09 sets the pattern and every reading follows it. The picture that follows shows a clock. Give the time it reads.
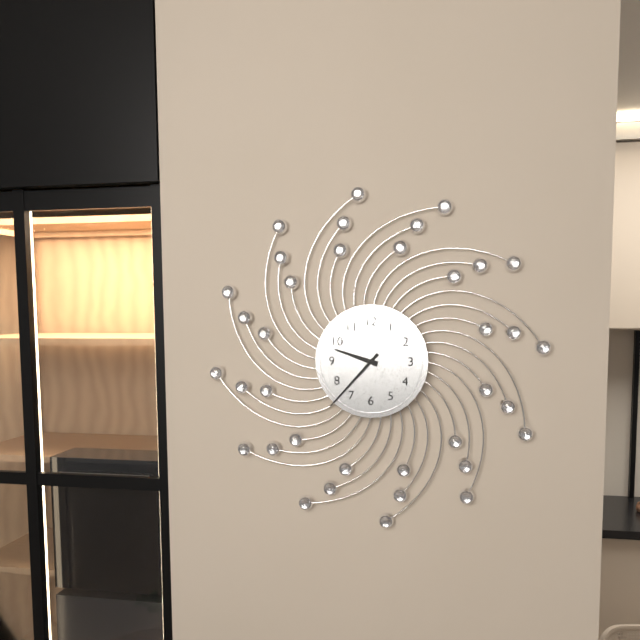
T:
9.37
